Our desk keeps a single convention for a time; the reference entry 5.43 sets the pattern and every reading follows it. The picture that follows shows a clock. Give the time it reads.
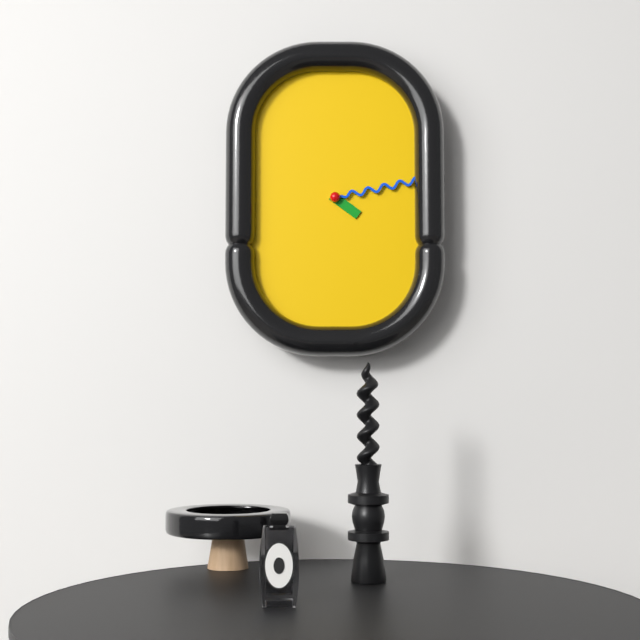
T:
4.13
